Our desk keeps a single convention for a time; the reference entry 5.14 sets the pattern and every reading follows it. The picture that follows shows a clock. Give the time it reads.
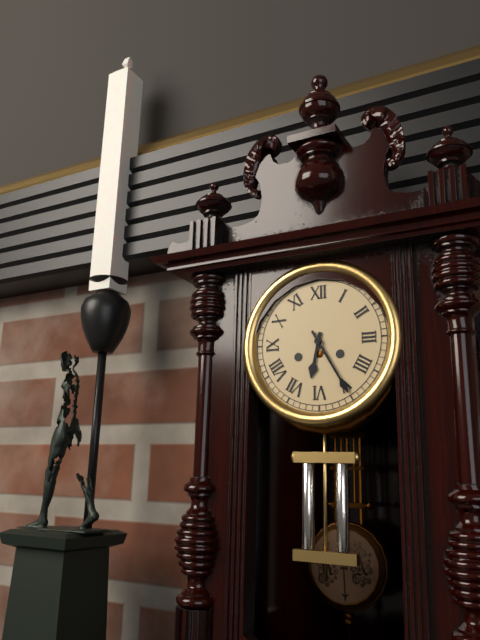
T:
6.25
